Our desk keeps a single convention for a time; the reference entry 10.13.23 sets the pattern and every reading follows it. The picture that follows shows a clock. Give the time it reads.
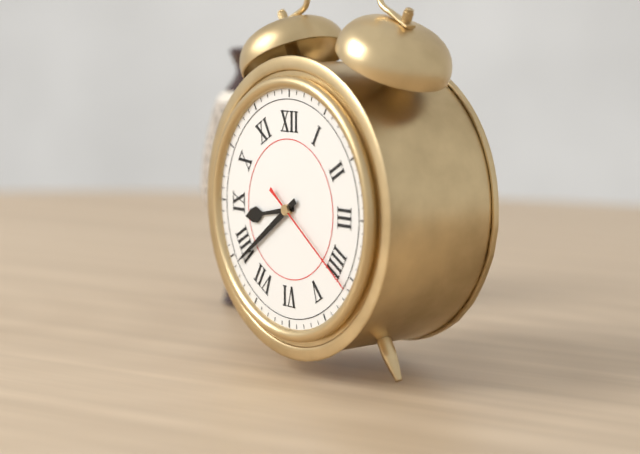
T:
8.39.21
